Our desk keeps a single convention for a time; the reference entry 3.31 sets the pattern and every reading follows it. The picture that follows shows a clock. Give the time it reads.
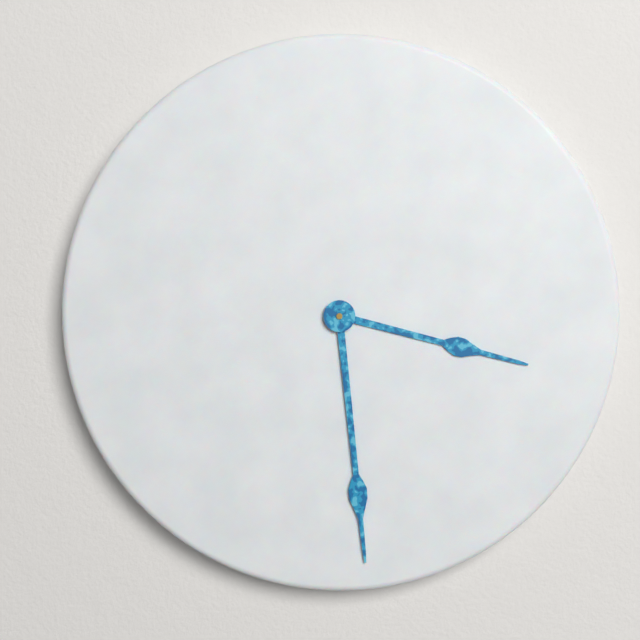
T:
3.29
